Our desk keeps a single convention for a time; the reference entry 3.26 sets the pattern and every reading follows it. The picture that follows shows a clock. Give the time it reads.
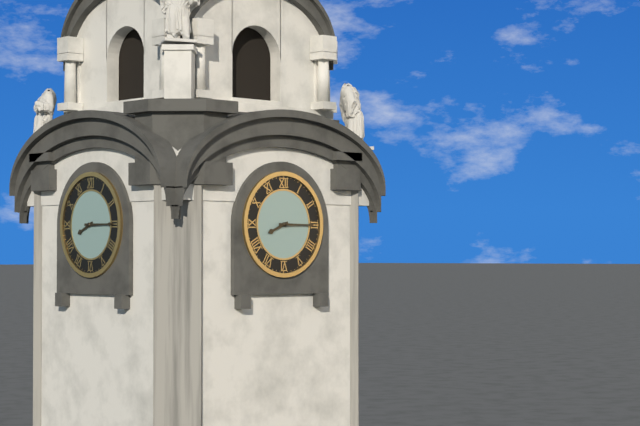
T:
8.15
